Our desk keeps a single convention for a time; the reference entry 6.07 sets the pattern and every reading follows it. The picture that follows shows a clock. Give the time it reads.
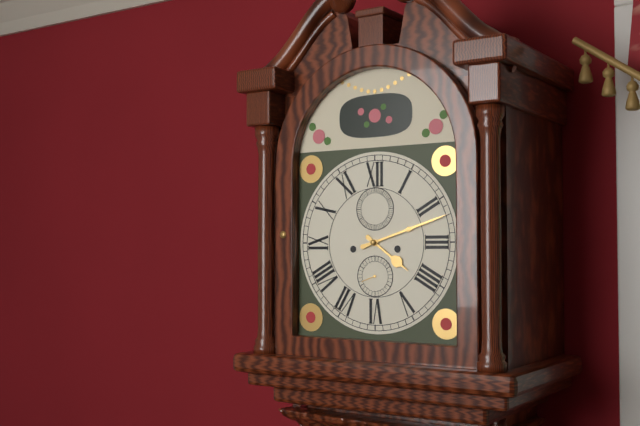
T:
4.12
